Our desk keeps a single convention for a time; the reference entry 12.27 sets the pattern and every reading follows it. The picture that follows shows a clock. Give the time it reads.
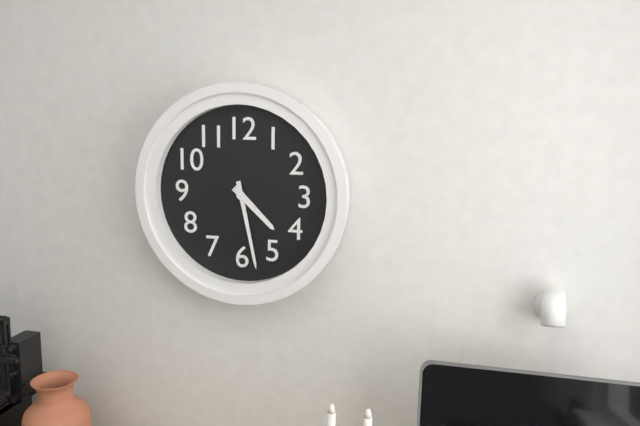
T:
4.28
